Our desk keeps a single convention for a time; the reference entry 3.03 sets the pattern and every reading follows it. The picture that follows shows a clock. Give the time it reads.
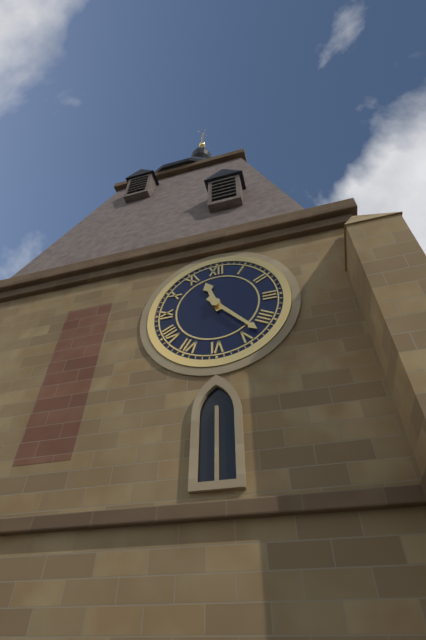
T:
11.23
